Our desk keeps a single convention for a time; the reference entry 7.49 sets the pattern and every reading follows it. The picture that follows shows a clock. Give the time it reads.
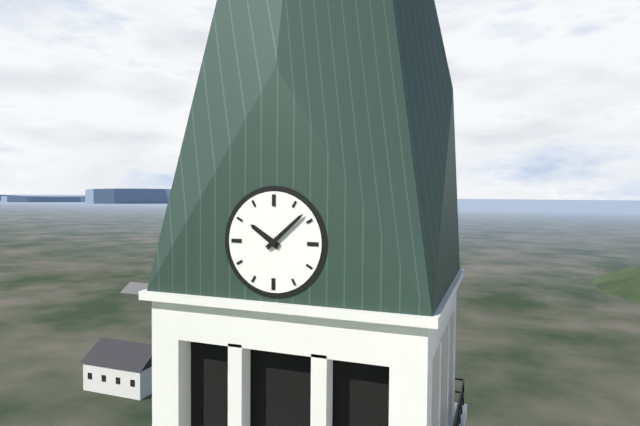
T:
10.08
